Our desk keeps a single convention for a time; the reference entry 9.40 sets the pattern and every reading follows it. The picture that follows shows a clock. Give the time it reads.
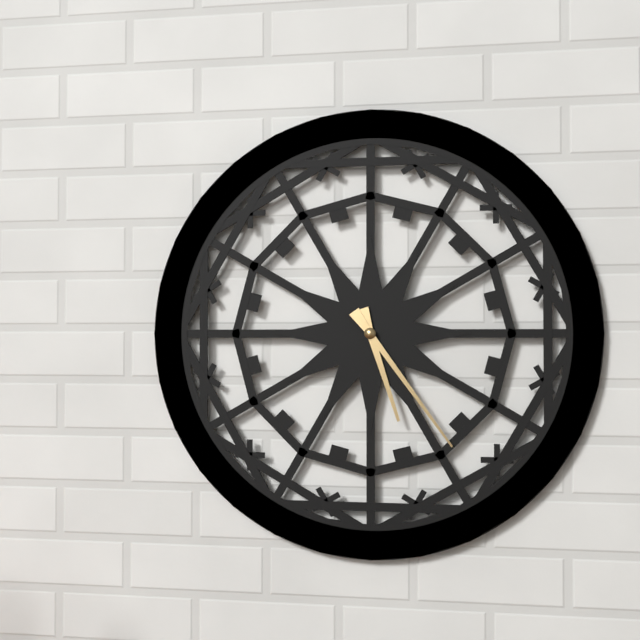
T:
5.24
